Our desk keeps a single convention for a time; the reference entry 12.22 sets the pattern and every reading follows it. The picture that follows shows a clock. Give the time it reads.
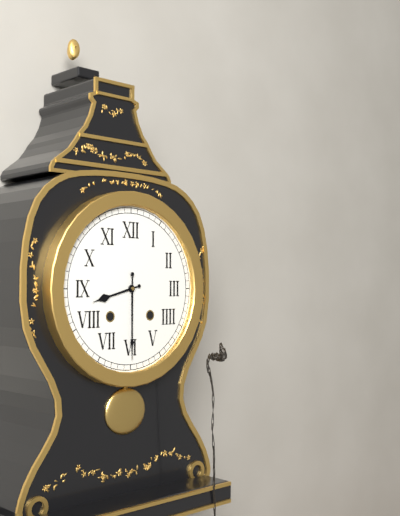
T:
8.30
